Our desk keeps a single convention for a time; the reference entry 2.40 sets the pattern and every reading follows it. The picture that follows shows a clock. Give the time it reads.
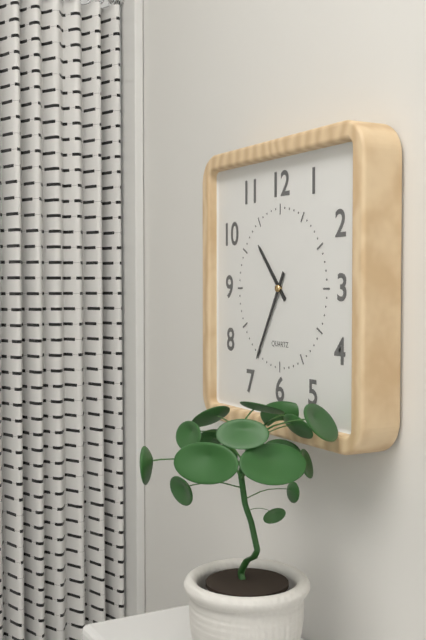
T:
10.35
